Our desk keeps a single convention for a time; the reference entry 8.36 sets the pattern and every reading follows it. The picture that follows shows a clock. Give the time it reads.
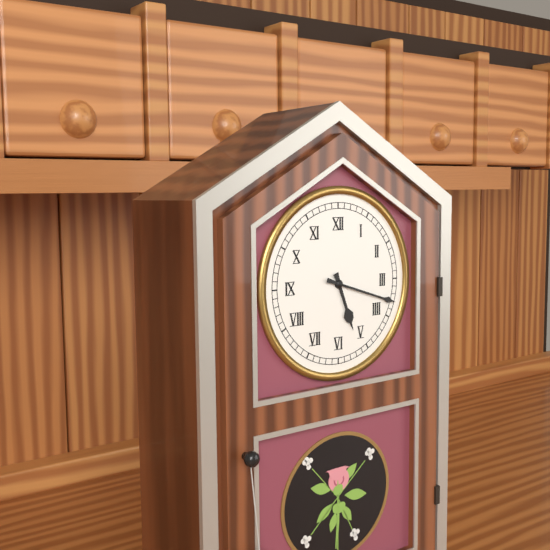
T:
5.18
